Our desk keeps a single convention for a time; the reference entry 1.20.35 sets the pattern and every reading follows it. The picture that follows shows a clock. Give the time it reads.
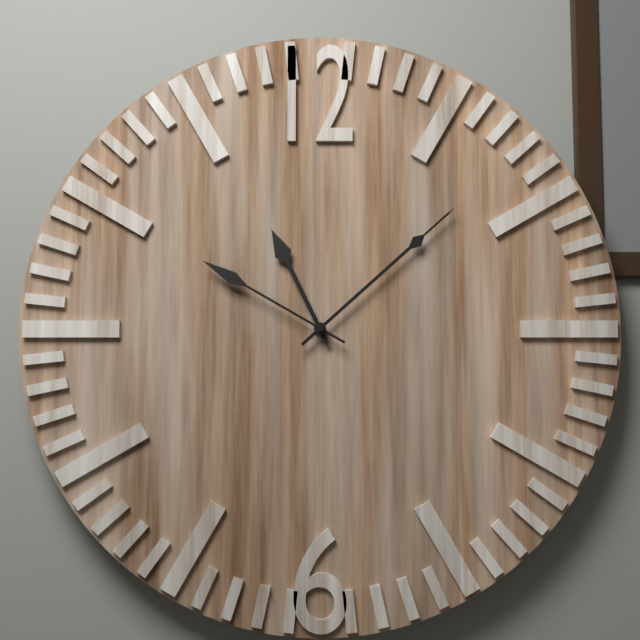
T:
11.08.50
